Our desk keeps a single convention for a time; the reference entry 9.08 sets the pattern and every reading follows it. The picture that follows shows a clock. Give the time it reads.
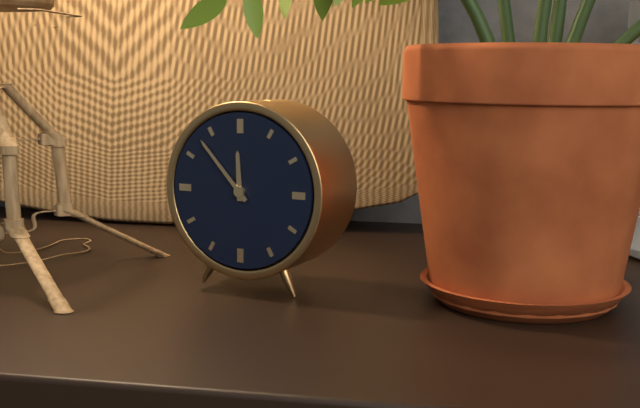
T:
11.53
